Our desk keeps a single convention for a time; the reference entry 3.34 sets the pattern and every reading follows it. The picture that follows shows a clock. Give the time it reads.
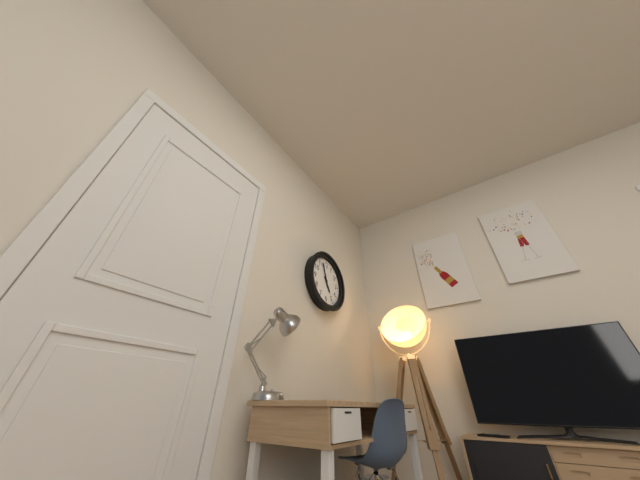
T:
4.57
